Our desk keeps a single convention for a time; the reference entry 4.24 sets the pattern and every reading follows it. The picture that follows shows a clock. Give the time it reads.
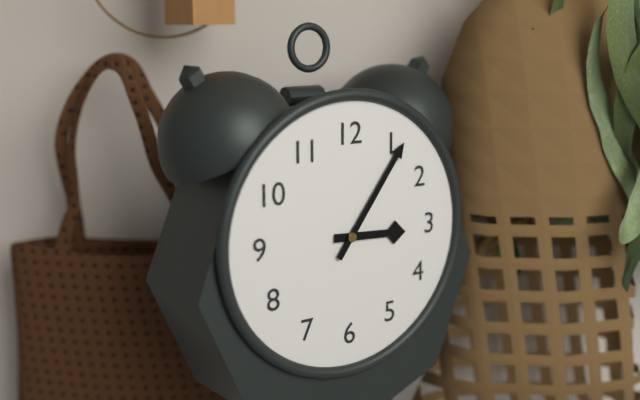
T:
3.06
